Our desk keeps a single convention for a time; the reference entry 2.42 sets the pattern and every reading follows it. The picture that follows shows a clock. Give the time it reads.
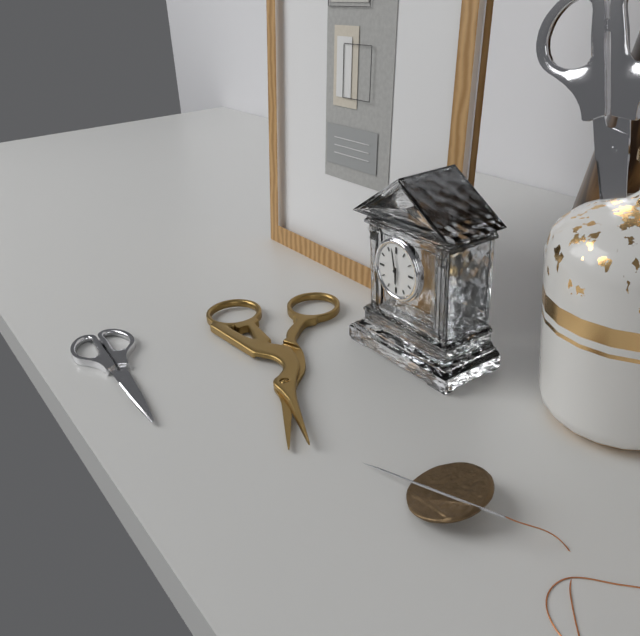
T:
5.58
